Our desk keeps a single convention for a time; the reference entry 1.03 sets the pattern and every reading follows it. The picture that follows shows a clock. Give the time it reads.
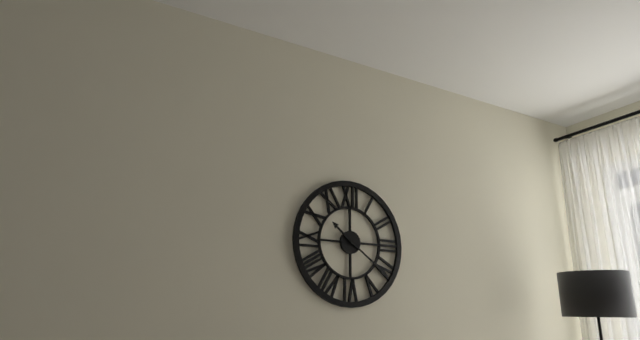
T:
10.21
